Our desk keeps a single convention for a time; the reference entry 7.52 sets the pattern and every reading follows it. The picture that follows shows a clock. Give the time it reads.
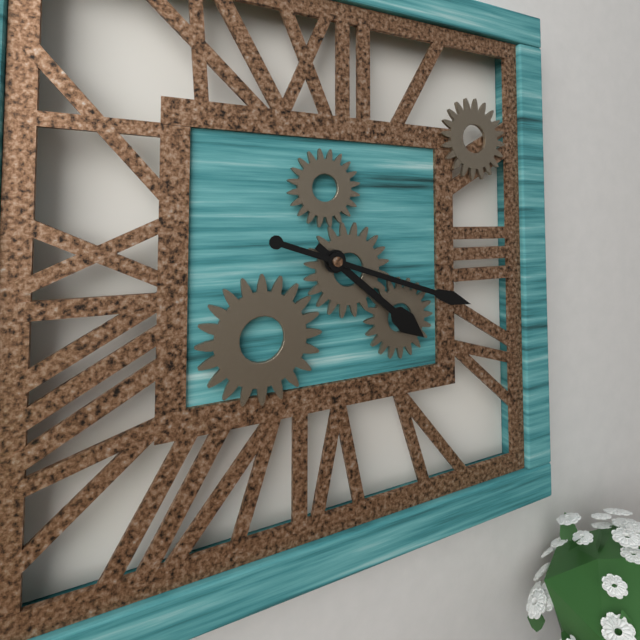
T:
4.18
